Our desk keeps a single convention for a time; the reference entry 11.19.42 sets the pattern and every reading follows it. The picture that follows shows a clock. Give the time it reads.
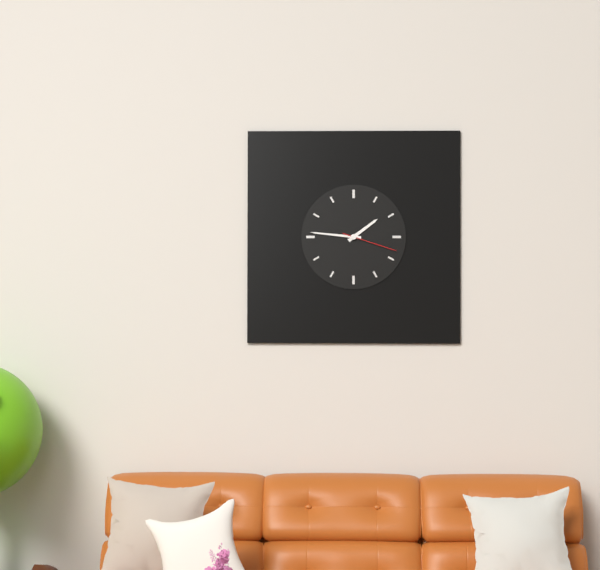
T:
1.46.18
